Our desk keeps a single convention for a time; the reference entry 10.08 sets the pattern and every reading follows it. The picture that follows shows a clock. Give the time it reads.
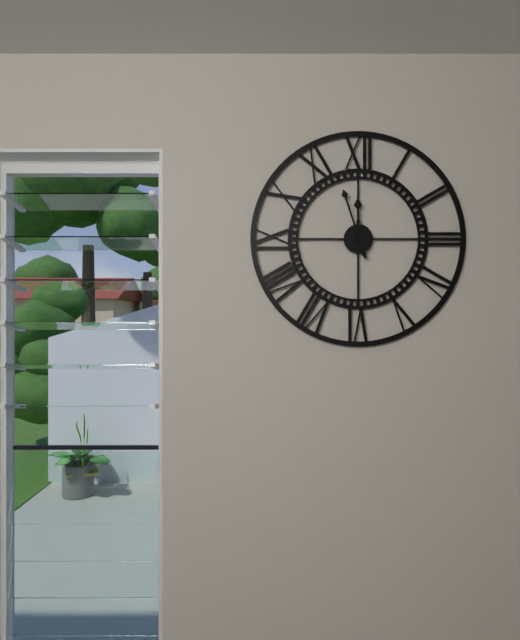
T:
11.57
